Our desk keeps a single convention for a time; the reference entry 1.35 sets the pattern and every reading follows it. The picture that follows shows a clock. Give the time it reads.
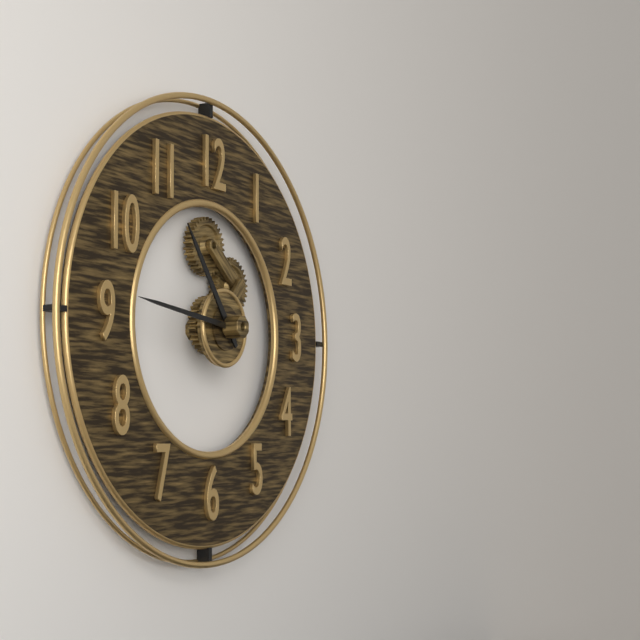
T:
10.46
